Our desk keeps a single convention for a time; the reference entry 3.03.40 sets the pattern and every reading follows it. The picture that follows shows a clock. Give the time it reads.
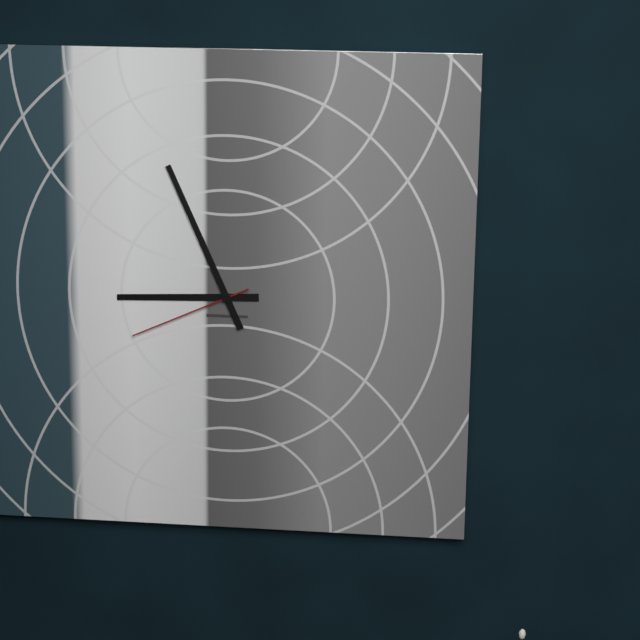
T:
8.56.41
